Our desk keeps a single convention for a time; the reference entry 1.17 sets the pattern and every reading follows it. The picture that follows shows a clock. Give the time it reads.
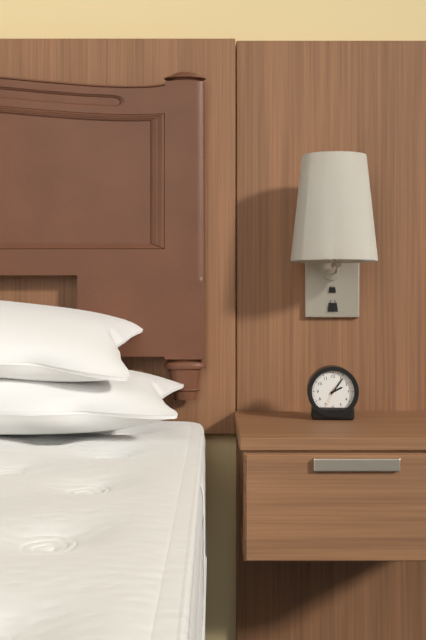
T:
2.06
